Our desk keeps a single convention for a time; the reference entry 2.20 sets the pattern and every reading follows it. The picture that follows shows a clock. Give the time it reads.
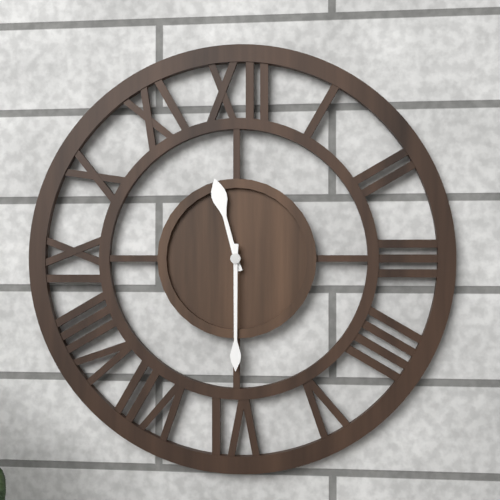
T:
11.30
